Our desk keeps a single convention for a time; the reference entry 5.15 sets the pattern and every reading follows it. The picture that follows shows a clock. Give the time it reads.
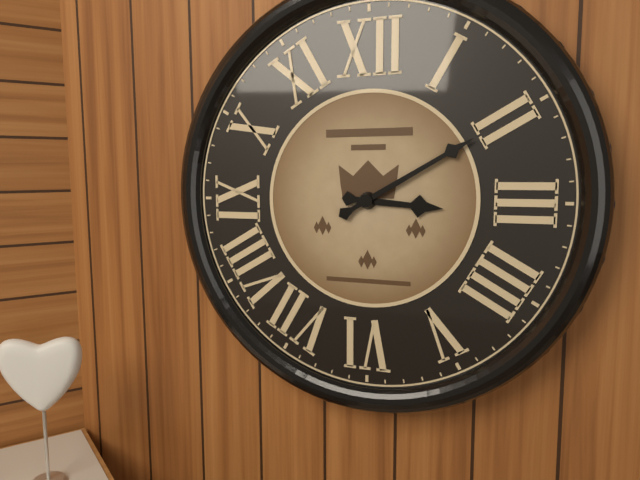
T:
3.10
